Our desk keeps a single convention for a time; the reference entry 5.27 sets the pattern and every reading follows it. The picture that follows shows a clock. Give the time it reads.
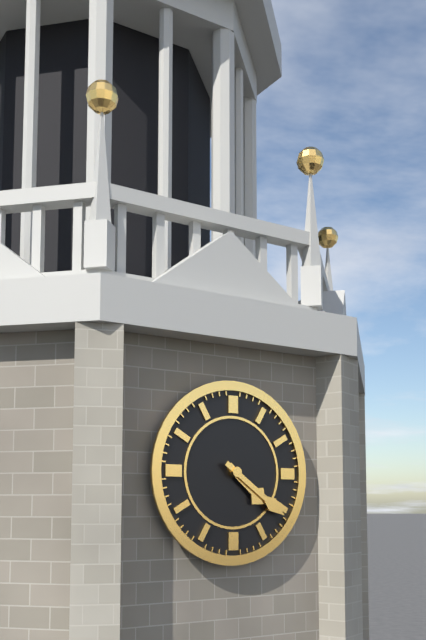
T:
4.21
